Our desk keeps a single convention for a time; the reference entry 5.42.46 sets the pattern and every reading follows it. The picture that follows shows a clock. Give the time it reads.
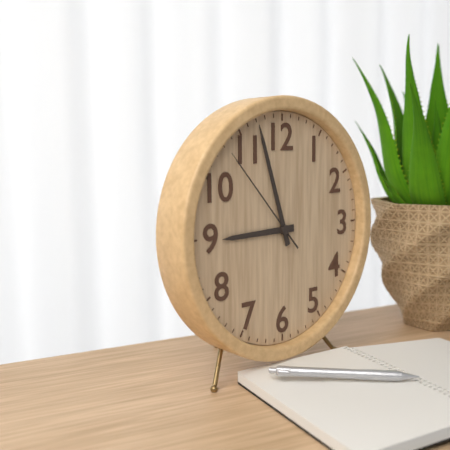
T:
8.57.53
